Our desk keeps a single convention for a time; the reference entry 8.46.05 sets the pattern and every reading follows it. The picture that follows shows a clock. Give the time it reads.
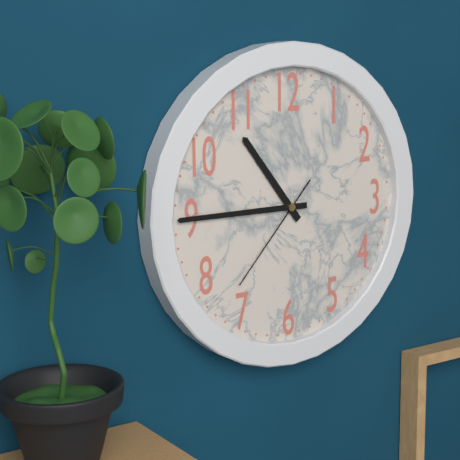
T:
10.45.37
